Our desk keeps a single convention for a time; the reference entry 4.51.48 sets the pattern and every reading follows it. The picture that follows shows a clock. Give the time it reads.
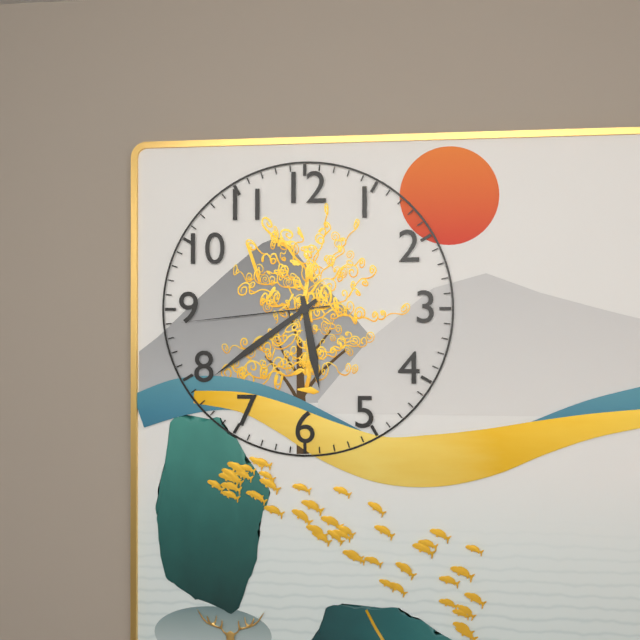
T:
5.39.44
